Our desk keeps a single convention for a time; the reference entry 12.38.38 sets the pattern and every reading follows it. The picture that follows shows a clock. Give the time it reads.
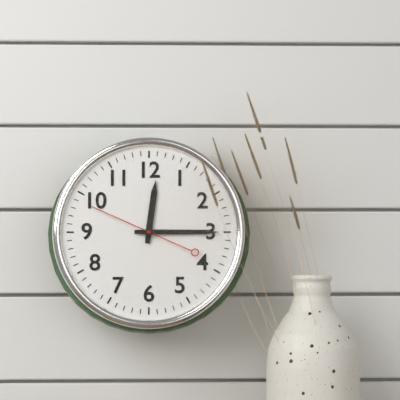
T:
12.15.49
